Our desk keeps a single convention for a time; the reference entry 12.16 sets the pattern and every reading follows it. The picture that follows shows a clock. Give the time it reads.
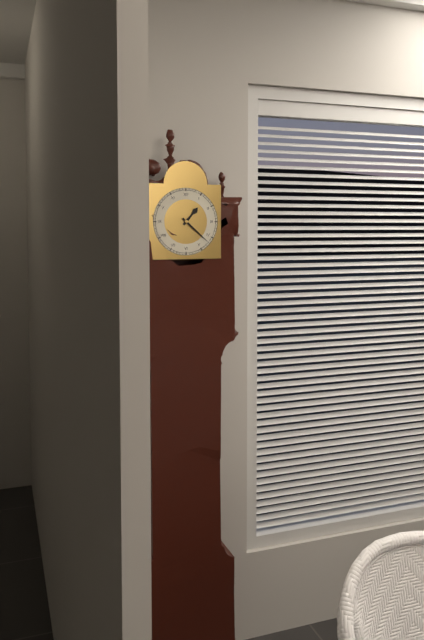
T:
1.22
